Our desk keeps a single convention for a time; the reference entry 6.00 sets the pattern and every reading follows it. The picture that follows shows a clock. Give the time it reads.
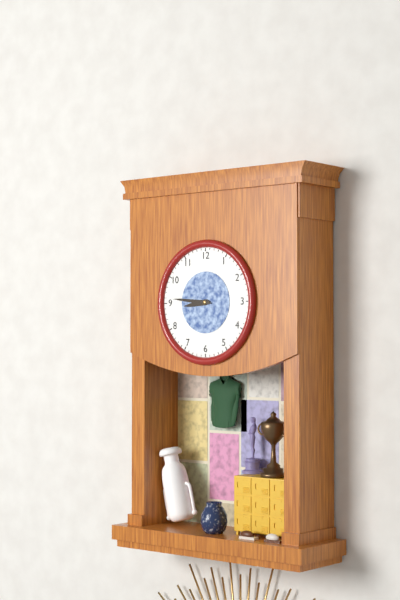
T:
8.46
